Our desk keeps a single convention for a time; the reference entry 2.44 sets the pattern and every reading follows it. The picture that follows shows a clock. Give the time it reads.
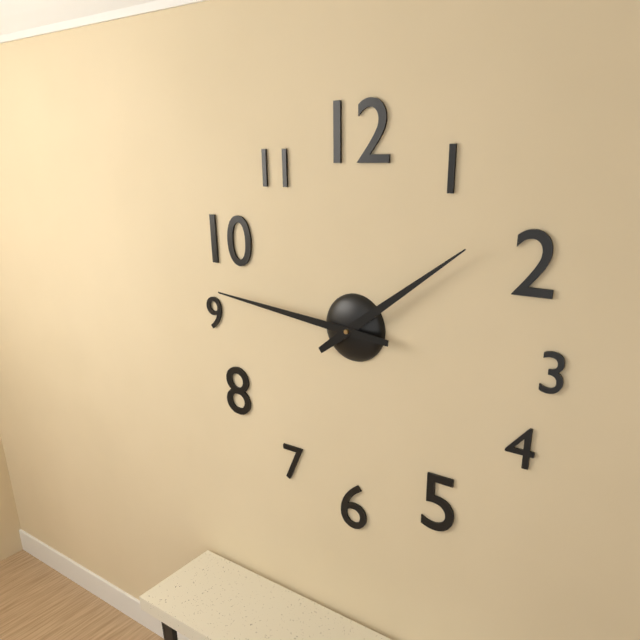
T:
1.46
